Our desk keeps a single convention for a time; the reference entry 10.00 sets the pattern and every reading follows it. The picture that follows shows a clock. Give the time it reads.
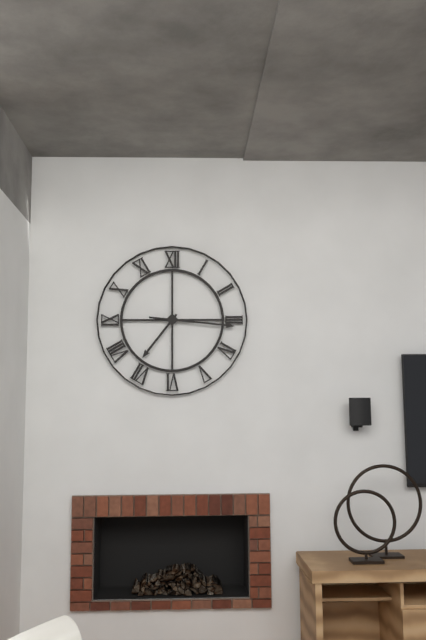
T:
7.16
